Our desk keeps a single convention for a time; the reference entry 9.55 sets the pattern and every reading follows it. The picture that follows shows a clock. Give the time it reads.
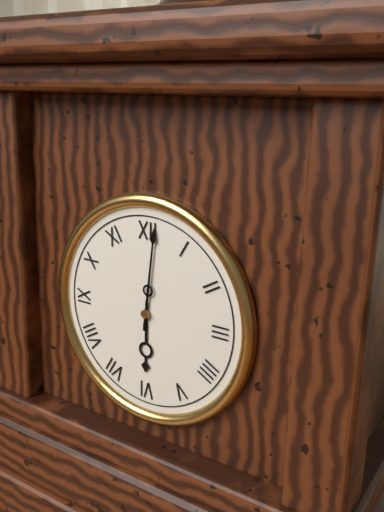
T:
6.01
